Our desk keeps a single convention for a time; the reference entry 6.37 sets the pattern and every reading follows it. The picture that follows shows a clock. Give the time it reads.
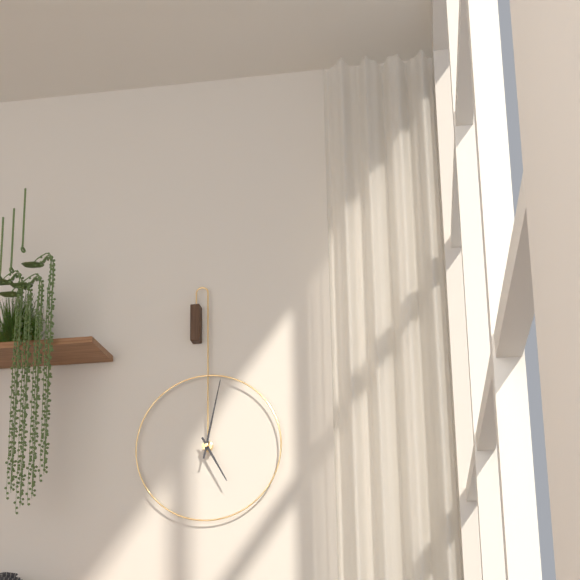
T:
5.02
